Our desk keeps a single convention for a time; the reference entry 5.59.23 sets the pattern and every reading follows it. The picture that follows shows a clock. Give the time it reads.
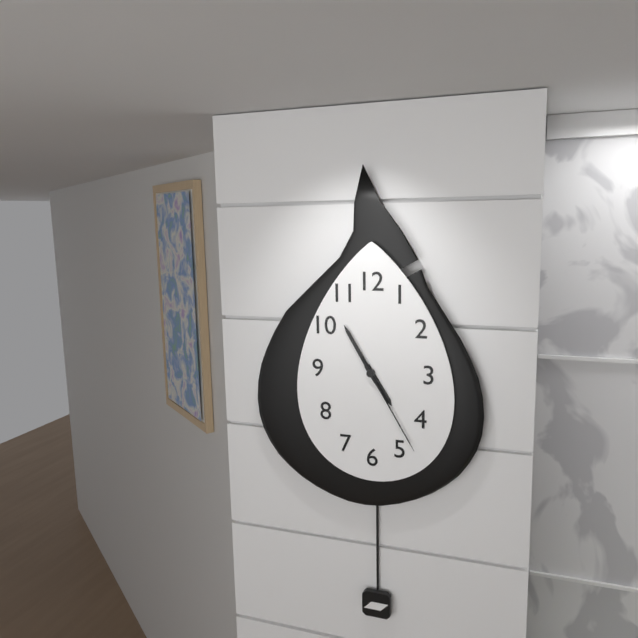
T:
4.55.25
